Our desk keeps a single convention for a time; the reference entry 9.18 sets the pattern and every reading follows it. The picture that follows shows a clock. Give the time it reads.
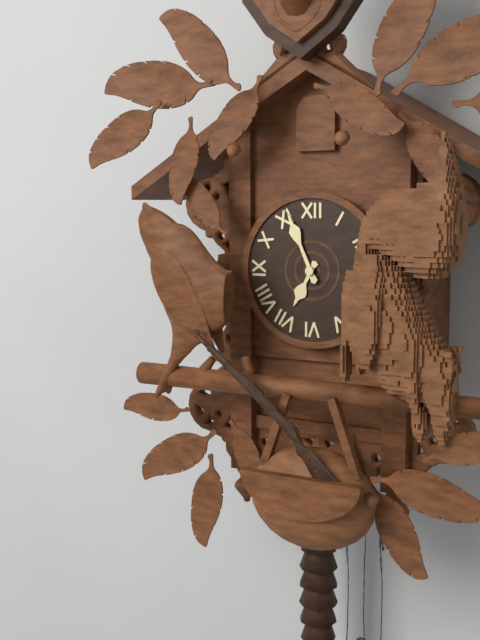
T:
6.56
